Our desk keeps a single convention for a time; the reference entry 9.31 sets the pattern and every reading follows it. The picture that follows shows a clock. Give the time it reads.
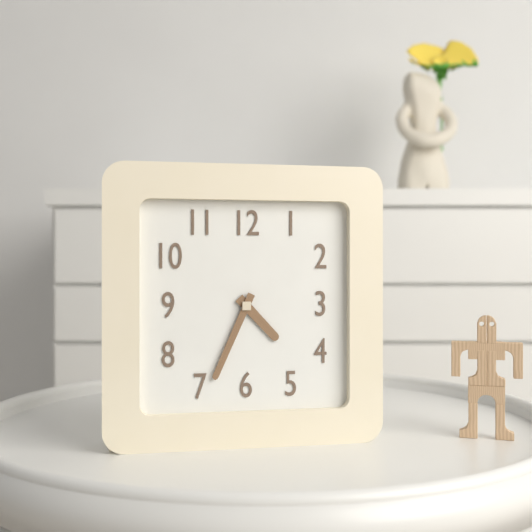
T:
4.34
